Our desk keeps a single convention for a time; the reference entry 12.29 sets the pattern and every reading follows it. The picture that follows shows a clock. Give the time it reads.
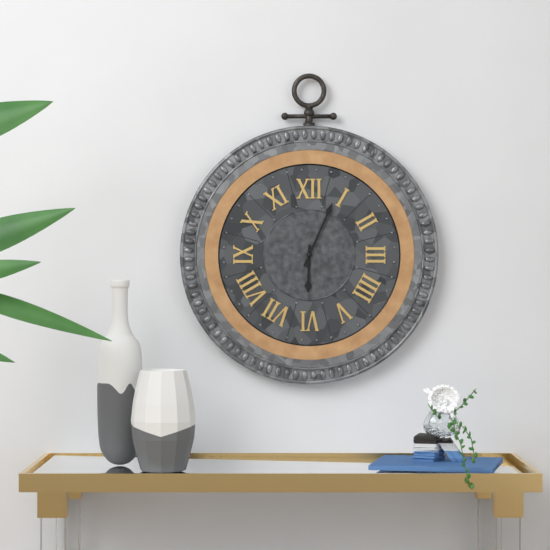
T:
6.04
